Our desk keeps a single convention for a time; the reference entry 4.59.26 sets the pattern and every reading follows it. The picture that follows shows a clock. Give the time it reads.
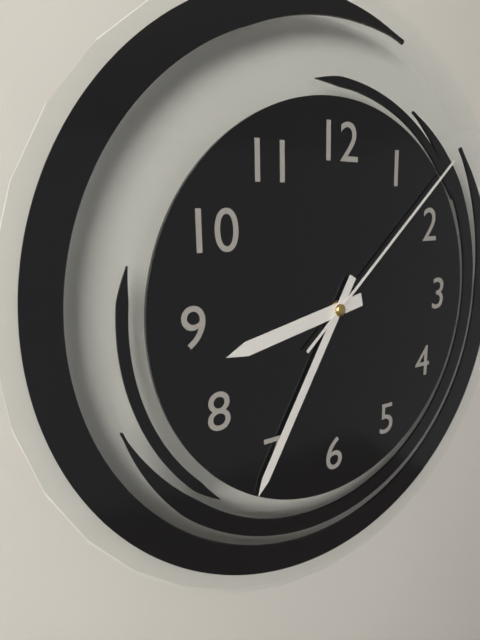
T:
8.35.08
